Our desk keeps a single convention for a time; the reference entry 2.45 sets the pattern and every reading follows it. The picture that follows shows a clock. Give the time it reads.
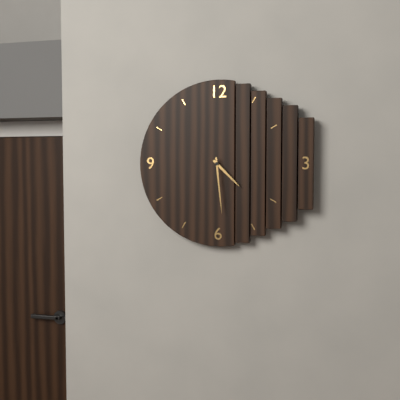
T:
4.29
